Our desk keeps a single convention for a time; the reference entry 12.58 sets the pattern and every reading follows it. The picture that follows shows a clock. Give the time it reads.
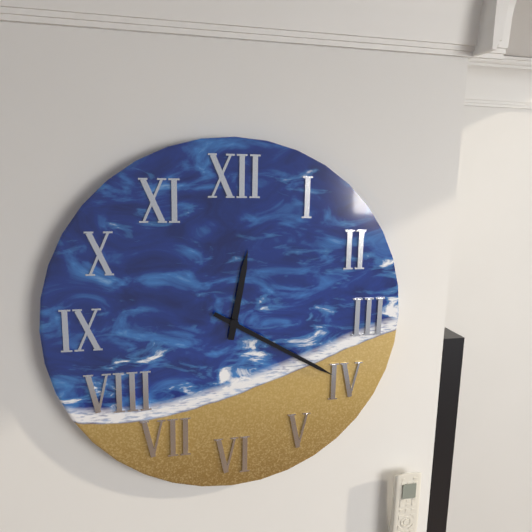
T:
12.20
